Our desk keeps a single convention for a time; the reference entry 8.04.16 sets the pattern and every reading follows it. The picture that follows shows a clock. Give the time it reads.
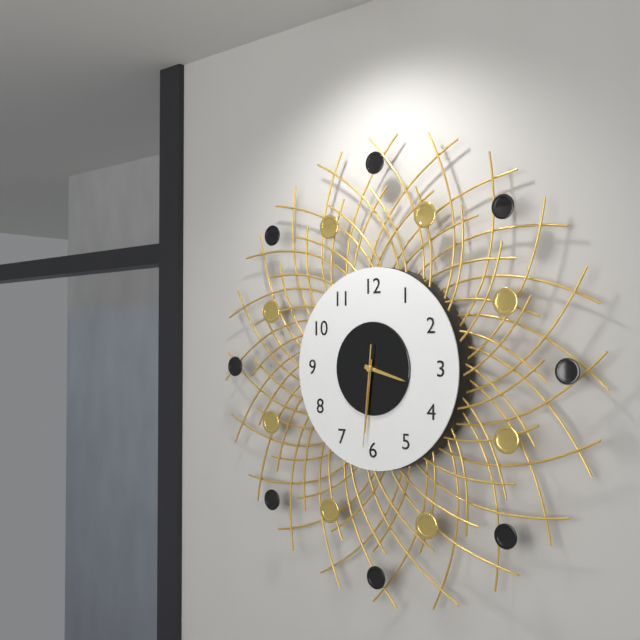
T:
3.31.31
